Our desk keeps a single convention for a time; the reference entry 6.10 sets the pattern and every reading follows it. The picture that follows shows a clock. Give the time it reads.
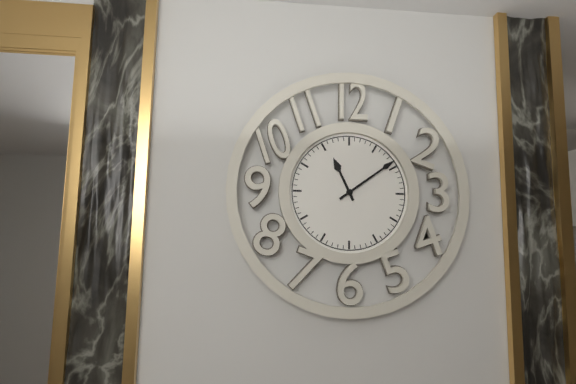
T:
11.09
